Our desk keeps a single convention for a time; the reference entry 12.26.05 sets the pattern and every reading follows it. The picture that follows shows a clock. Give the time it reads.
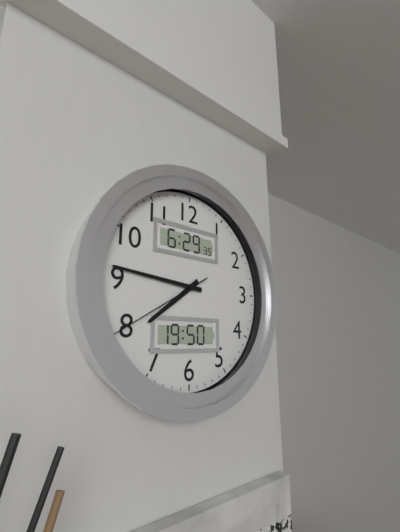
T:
7.46.40
